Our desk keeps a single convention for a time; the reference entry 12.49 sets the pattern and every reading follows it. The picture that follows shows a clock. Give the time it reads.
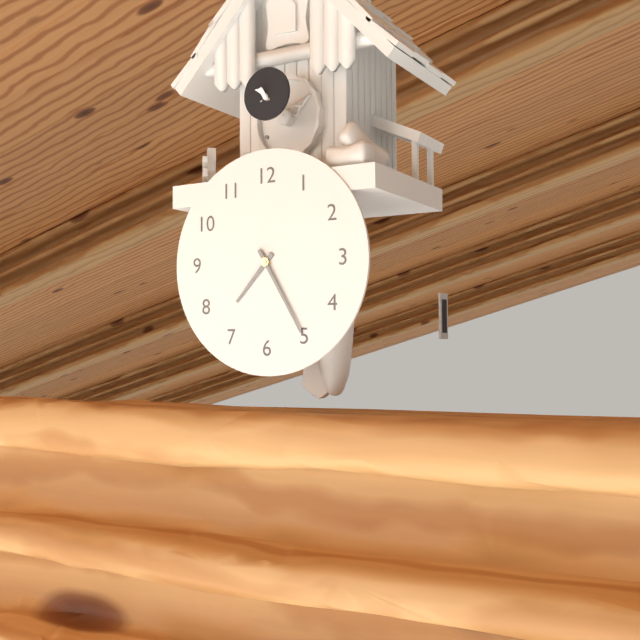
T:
7.25
